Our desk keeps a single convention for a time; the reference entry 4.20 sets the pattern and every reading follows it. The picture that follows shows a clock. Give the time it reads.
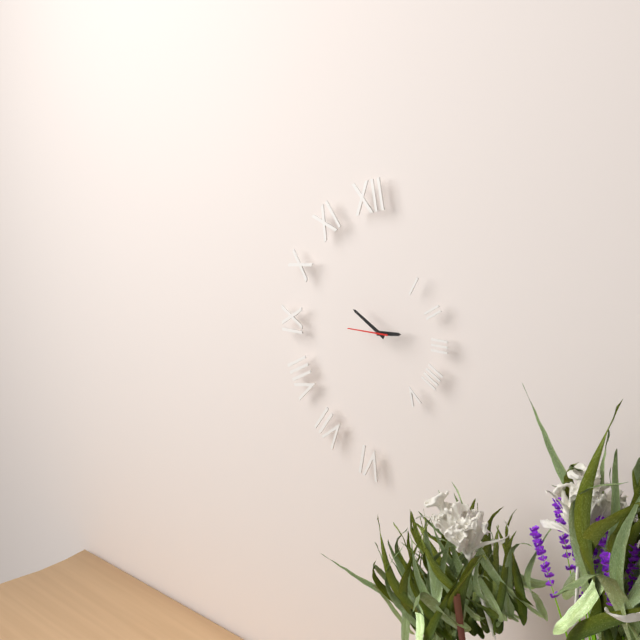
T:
2.50
